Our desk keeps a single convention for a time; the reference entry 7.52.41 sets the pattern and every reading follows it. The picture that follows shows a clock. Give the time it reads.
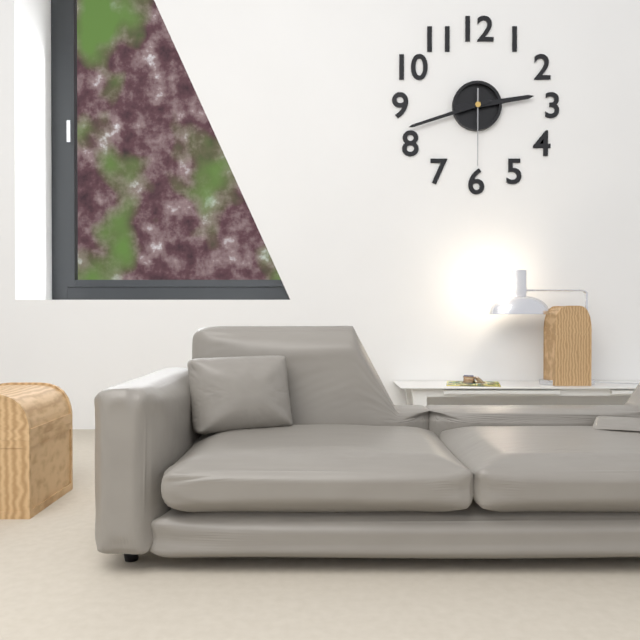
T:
2.42.30
